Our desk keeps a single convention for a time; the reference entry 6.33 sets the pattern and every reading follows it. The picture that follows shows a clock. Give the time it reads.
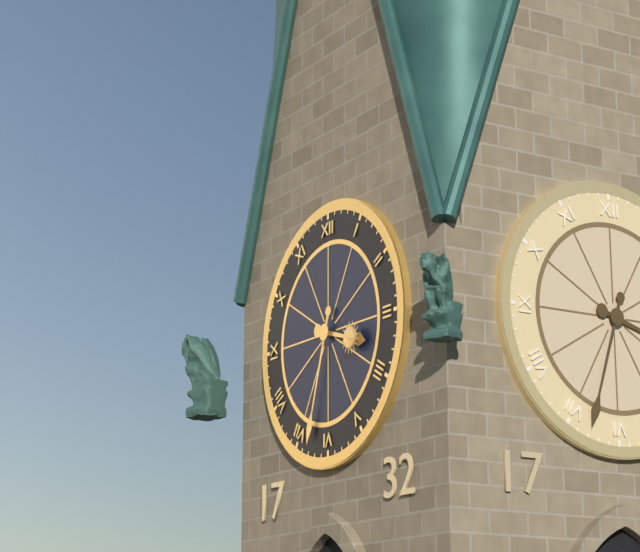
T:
3.33
